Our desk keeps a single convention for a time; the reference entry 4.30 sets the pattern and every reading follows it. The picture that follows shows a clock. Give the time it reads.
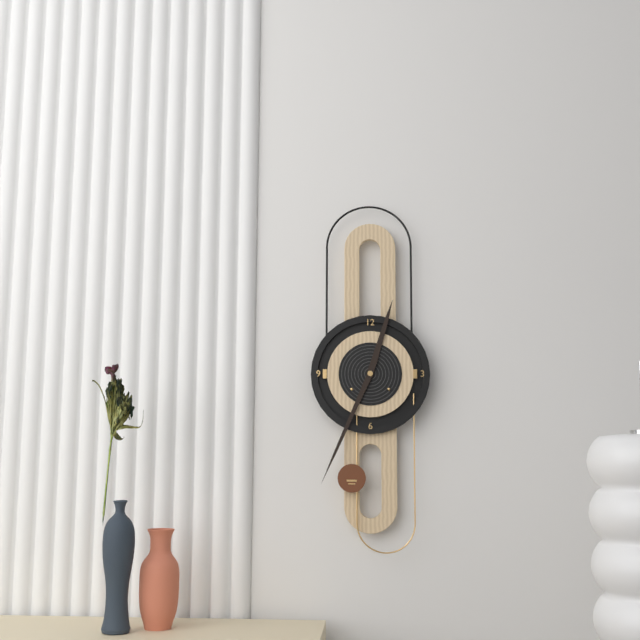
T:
12.34
